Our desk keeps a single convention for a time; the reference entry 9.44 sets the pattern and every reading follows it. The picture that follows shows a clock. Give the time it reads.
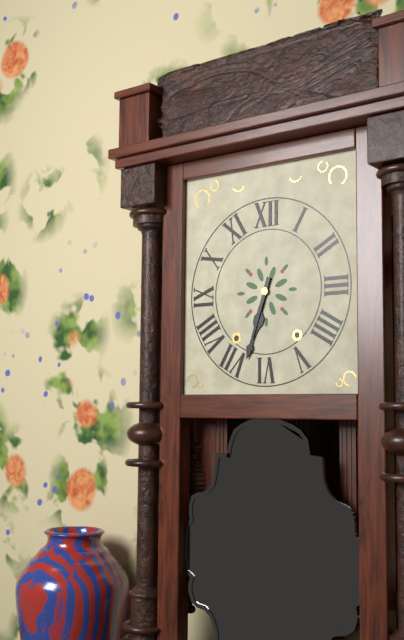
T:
6.33
